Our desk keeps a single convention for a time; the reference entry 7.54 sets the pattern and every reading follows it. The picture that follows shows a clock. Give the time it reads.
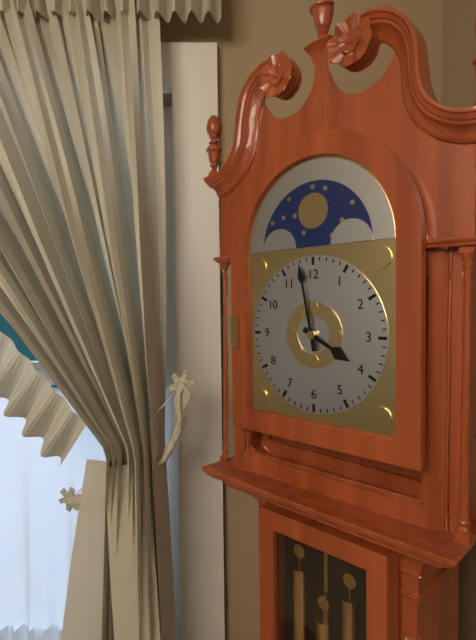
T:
3.58
